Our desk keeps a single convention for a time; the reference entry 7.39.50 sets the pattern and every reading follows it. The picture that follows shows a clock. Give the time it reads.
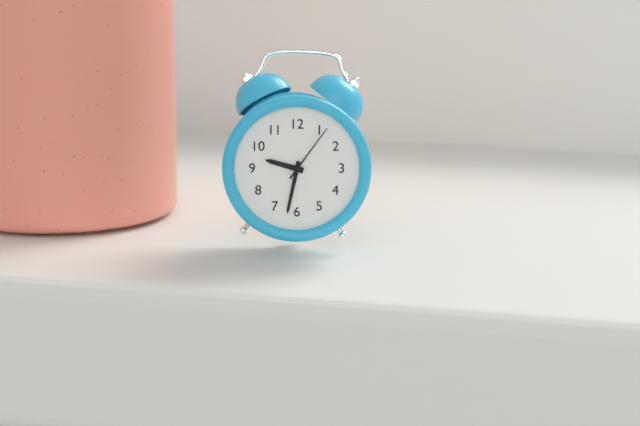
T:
9.32.06
